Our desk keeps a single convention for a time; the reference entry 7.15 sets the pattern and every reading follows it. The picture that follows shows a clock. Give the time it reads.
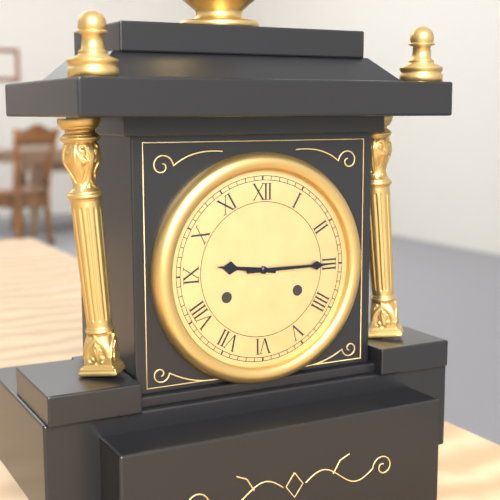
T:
9.15
